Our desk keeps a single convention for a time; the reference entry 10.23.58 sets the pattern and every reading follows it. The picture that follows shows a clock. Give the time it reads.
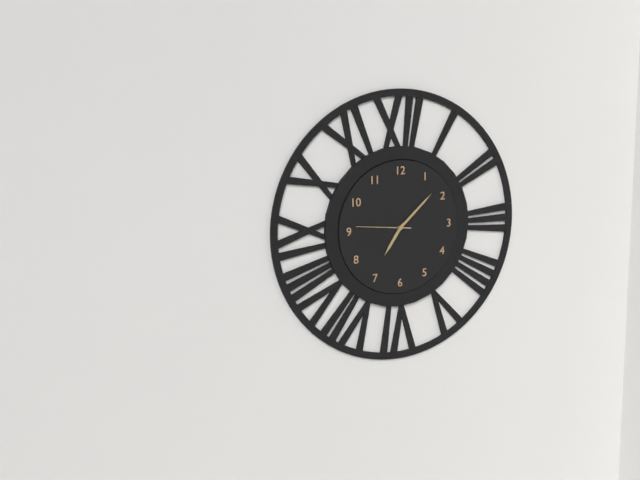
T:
7.08.46
